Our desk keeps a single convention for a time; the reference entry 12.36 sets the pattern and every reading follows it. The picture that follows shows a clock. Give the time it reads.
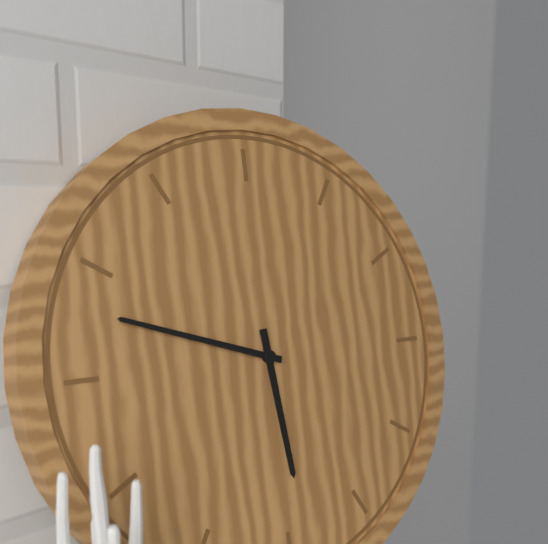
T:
5.48
